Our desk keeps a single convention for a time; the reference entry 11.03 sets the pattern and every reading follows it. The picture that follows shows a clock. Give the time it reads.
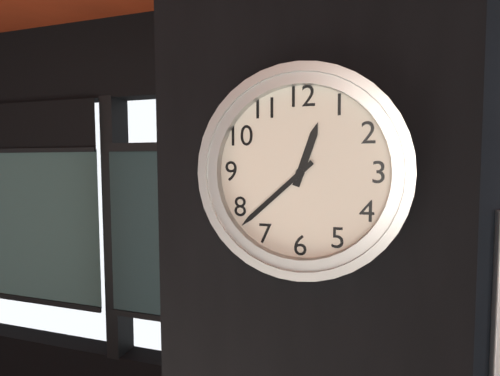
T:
12.38
